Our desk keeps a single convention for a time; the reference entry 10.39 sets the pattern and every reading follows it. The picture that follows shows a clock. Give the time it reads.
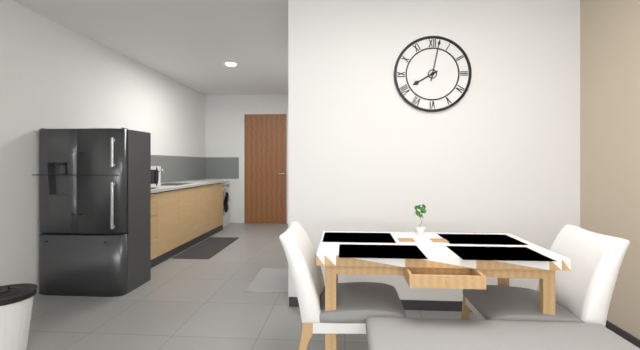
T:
8.02
